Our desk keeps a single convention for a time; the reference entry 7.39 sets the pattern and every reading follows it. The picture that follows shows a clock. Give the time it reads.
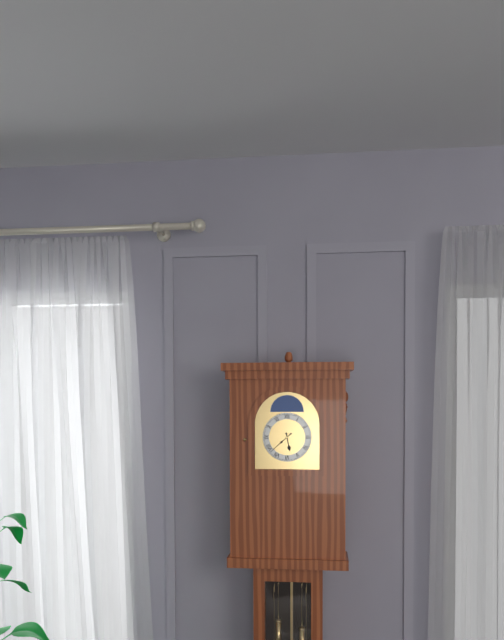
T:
5.38
